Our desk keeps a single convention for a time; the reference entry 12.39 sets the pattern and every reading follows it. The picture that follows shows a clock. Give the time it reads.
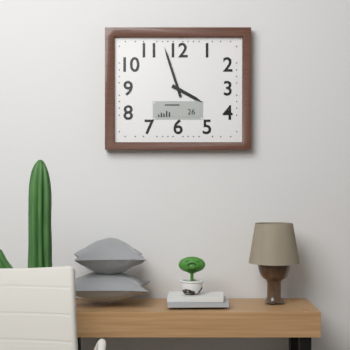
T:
3.57
